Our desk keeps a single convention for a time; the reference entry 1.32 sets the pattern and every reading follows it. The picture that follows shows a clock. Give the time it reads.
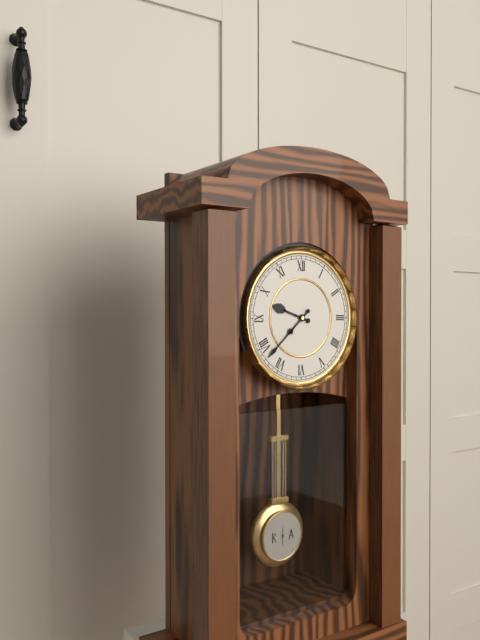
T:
9.38
